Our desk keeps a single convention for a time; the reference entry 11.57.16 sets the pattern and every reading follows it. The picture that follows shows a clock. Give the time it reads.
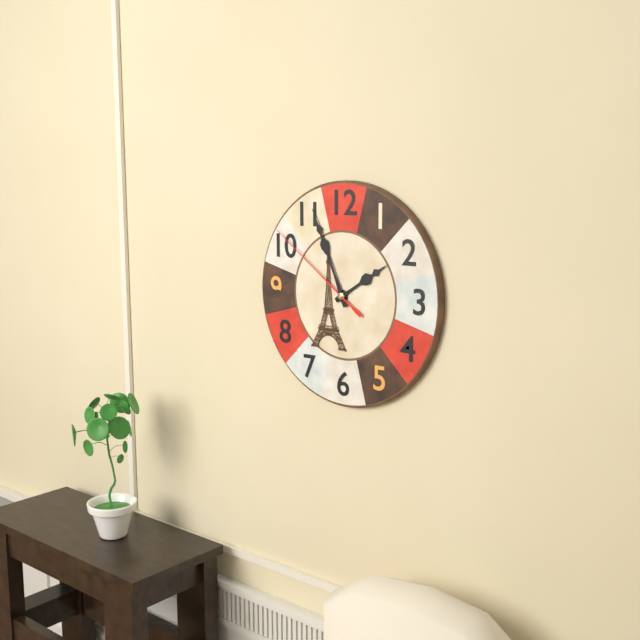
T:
1.56.51
